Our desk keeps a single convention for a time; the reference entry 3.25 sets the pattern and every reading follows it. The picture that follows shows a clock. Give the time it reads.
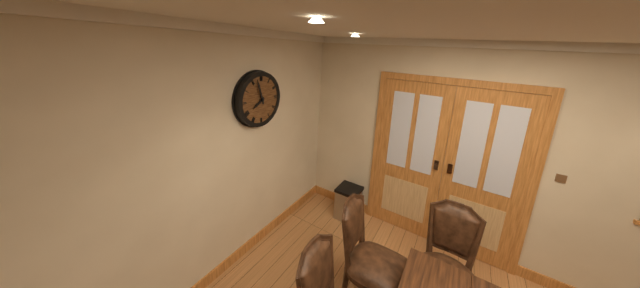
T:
7.57
